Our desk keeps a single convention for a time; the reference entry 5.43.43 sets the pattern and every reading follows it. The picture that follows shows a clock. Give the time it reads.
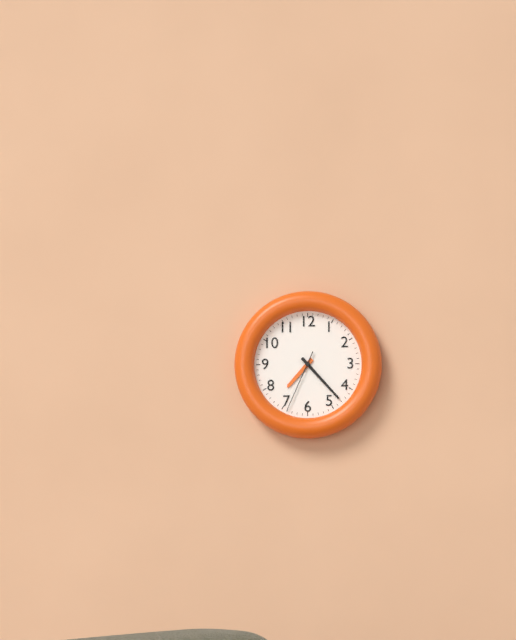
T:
7.23.34
